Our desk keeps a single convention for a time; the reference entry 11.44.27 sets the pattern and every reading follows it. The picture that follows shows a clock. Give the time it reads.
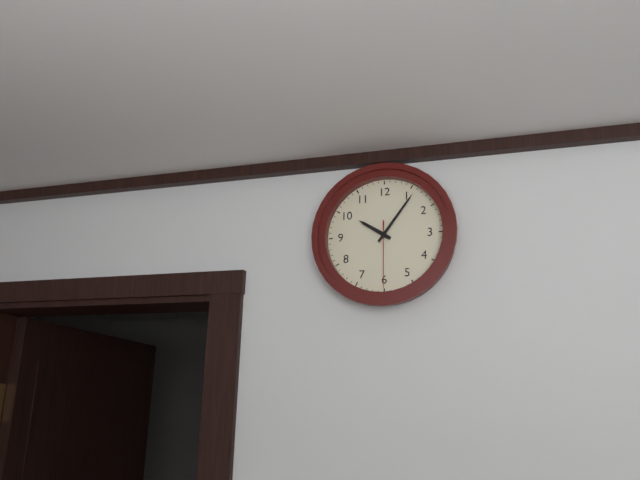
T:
10.06.30
